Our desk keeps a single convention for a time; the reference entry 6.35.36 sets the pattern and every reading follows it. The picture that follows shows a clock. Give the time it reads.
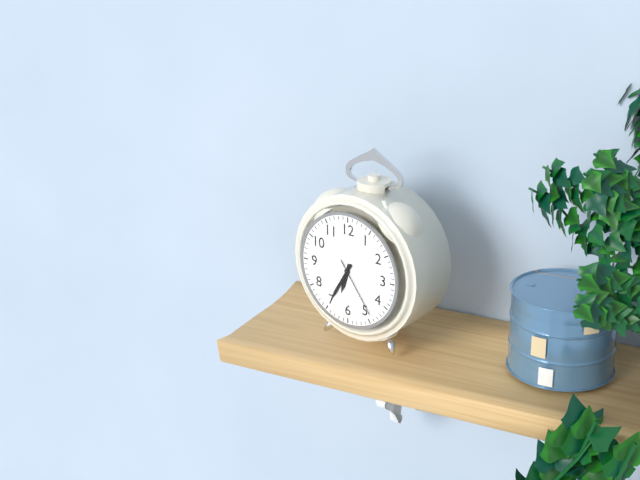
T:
6.35.24
